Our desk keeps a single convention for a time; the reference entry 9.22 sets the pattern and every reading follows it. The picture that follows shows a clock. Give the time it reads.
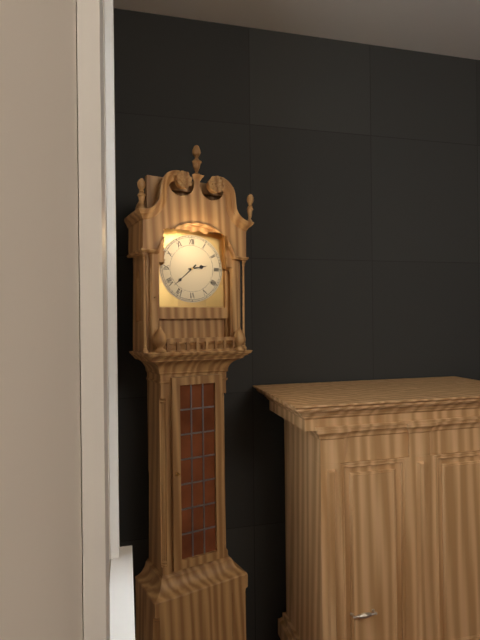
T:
2.38
